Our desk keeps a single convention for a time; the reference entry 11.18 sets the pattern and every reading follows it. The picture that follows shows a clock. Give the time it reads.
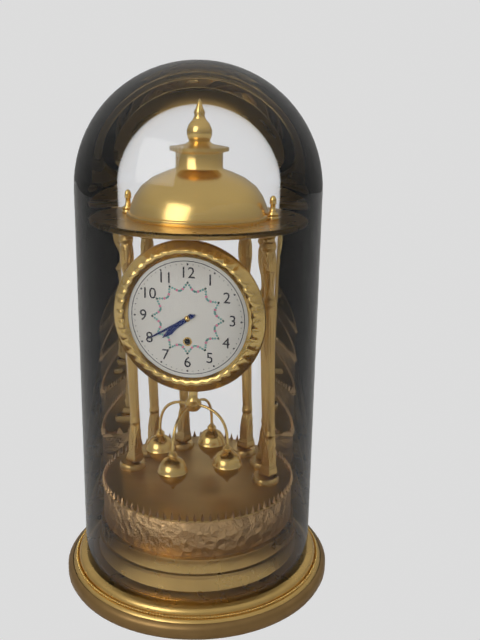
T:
7.40
